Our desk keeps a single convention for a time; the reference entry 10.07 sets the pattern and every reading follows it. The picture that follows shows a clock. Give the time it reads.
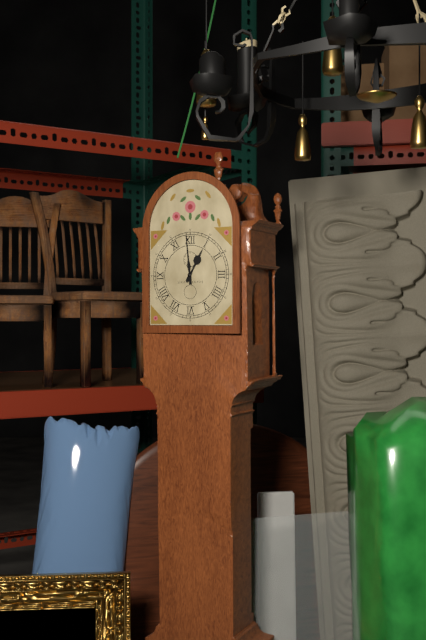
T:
12.59
